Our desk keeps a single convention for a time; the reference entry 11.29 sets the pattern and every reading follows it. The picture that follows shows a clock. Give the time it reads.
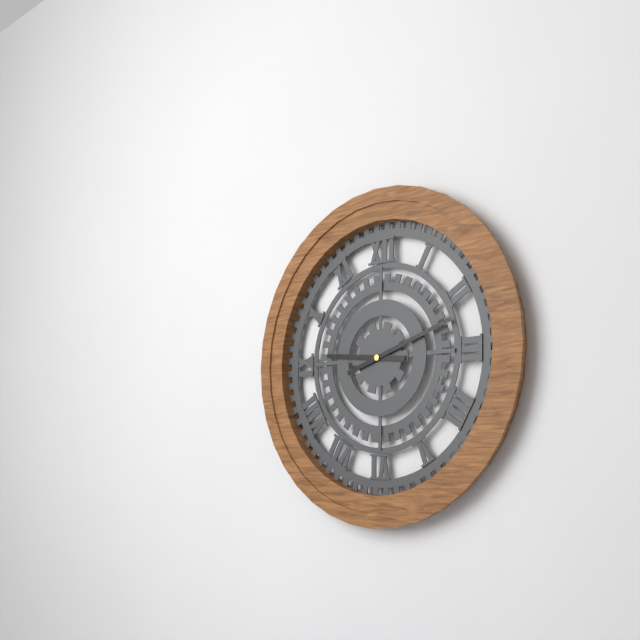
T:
9.12
